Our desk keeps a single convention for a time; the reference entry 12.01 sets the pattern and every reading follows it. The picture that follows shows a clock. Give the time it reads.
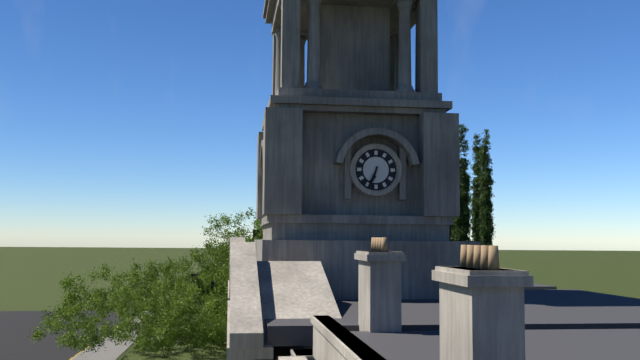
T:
6.34
